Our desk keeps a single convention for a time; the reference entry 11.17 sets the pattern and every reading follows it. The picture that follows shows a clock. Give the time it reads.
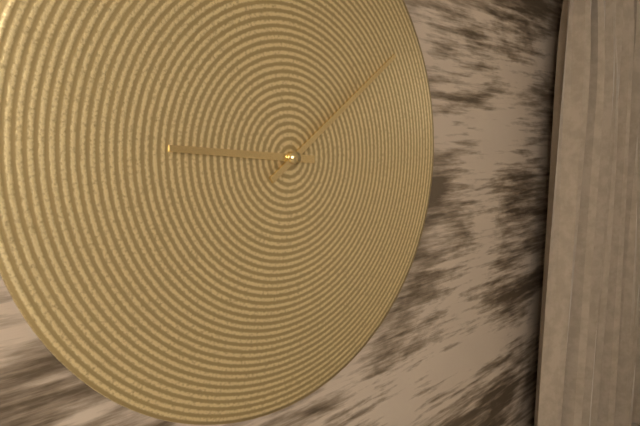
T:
9.09
